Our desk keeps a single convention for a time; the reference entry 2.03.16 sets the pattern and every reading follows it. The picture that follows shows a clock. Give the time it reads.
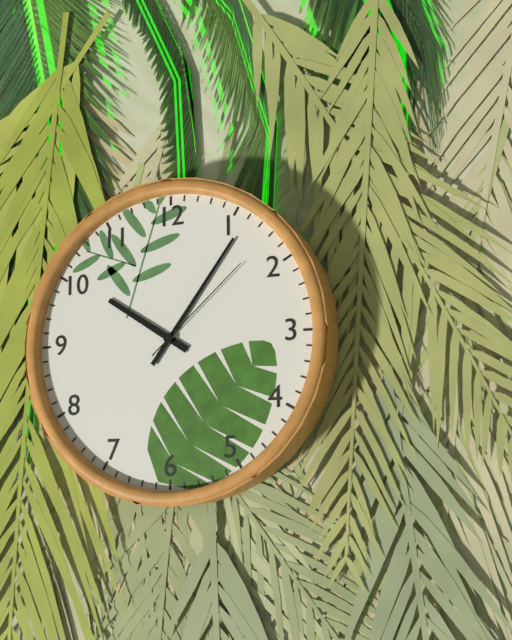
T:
10.06.08
